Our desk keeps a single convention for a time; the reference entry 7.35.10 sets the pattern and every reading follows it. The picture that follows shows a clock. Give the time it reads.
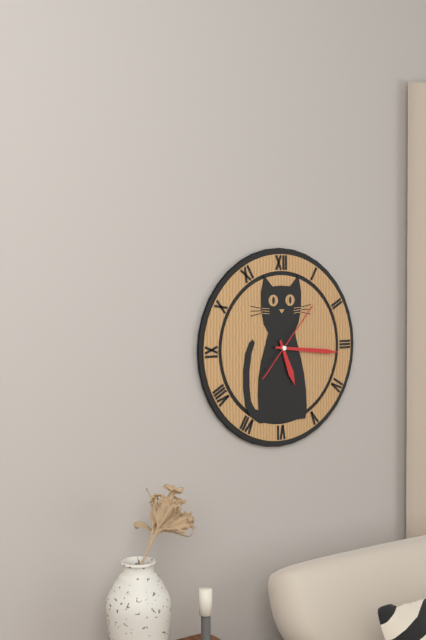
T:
5.16.07
